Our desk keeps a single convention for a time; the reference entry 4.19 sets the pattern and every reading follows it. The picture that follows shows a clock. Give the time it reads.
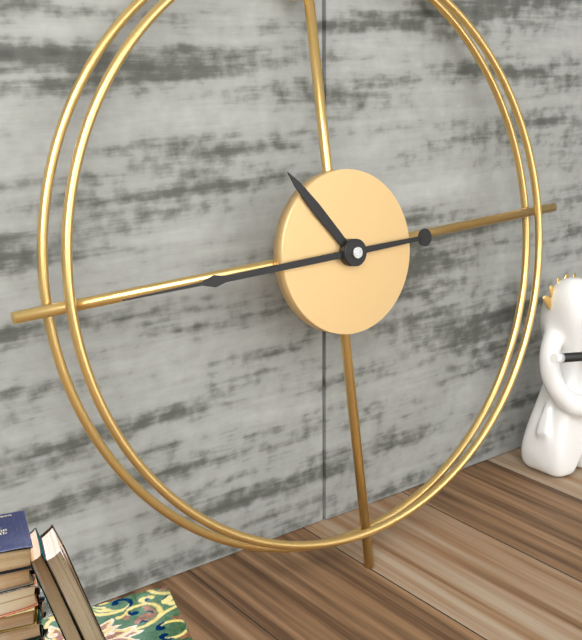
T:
10.45
